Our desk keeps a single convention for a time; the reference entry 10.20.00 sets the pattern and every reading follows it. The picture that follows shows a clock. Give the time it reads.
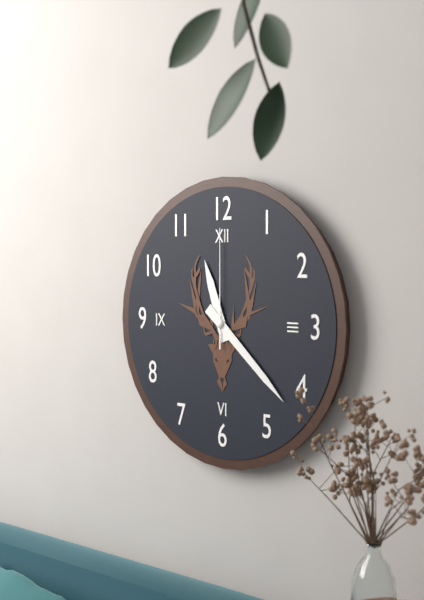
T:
11.22.00
